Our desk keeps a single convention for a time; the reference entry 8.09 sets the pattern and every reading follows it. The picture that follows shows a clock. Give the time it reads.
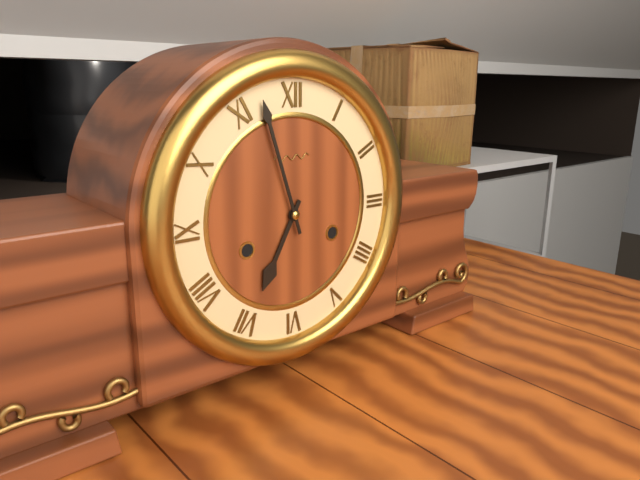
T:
6.57
